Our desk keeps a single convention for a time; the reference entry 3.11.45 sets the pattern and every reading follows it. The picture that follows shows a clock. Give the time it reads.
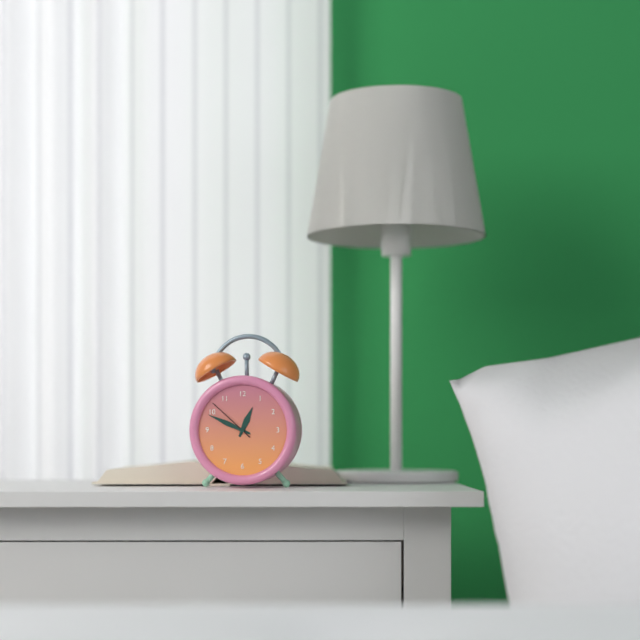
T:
12.49.52
